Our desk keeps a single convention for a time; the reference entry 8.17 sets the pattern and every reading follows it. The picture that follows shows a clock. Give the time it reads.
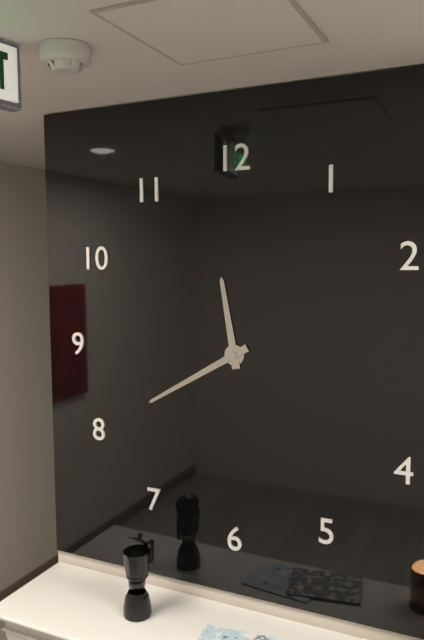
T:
11.40
